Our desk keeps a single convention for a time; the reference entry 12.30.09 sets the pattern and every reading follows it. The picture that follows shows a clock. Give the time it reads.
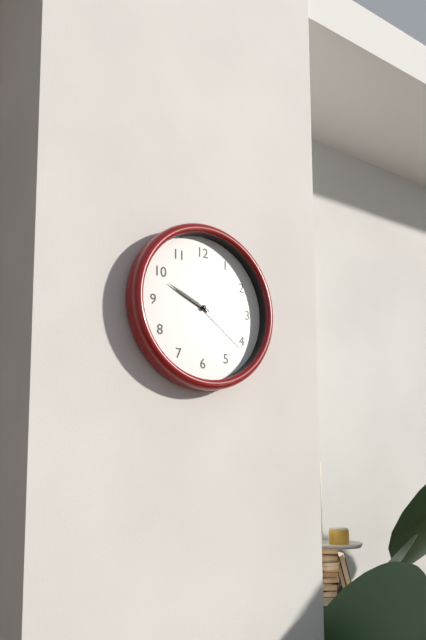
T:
9.49.21
